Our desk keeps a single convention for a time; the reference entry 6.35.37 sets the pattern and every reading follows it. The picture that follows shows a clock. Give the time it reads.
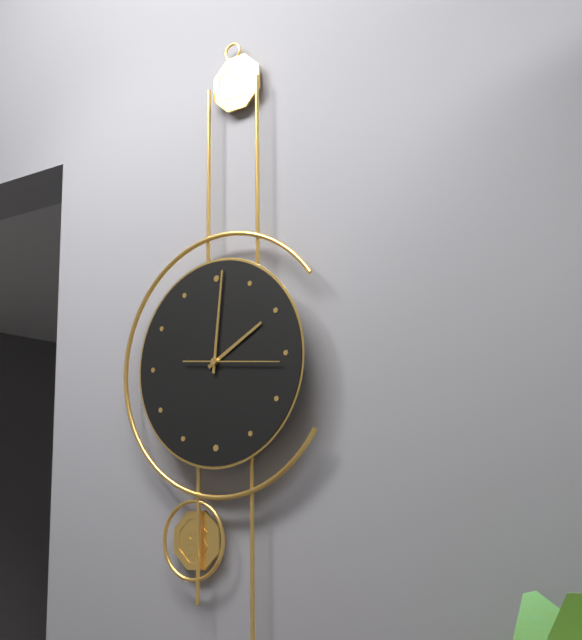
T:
2.01.16
